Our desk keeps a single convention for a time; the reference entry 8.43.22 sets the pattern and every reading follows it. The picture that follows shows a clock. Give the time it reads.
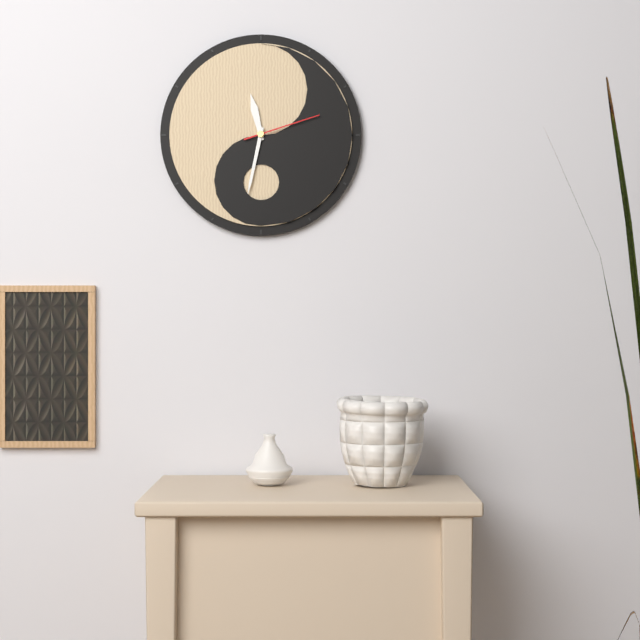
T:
11.32.12
